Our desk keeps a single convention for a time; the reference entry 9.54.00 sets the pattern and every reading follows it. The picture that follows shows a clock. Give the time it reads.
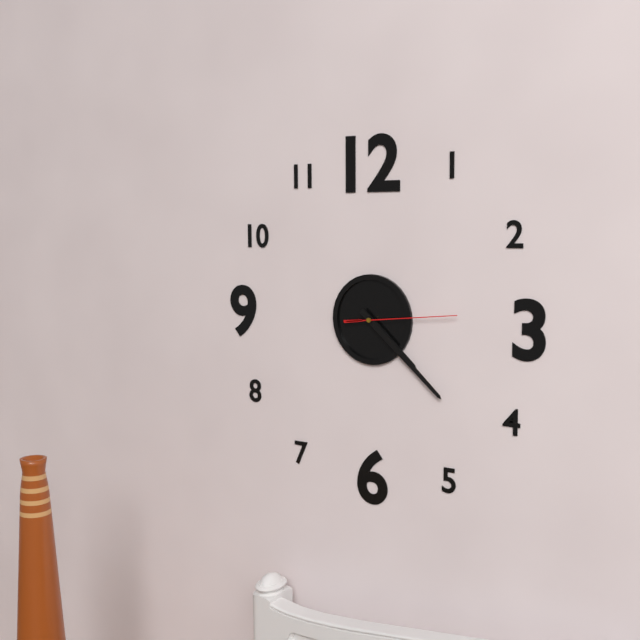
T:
4.22.14
